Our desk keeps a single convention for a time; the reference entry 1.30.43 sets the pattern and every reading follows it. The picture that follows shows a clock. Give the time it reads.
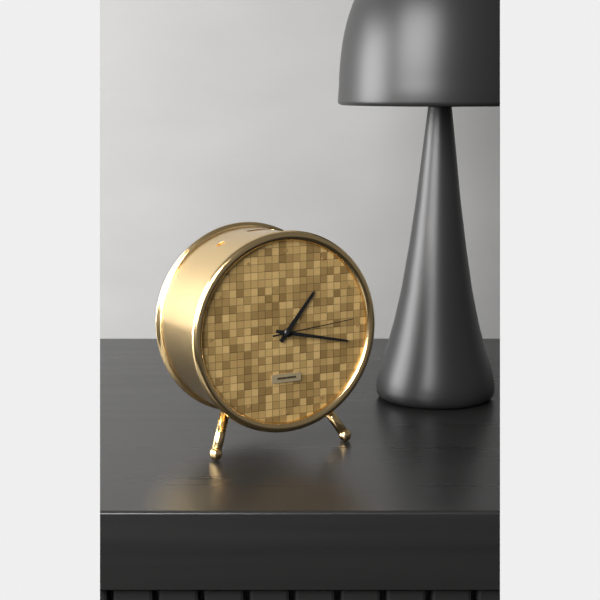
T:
1.17.14
